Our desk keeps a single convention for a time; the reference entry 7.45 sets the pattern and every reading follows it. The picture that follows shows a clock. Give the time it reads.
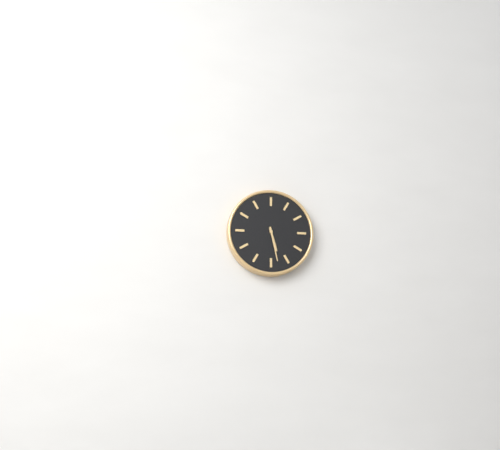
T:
5.28
